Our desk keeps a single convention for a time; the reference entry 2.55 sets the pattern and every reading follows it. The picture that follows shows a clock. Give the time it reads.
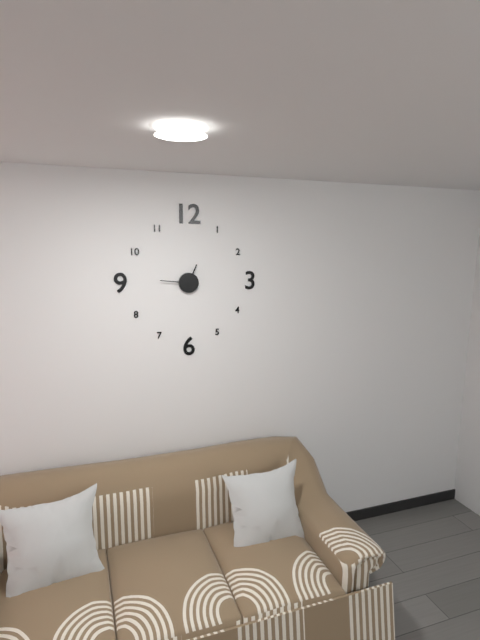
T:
12.46
